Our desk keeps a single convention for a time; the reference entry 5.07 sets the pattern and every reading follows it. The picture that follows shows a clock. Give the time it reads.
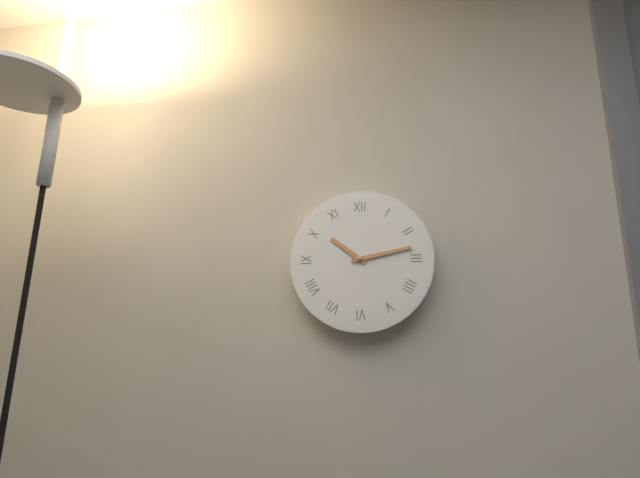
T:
10.13
